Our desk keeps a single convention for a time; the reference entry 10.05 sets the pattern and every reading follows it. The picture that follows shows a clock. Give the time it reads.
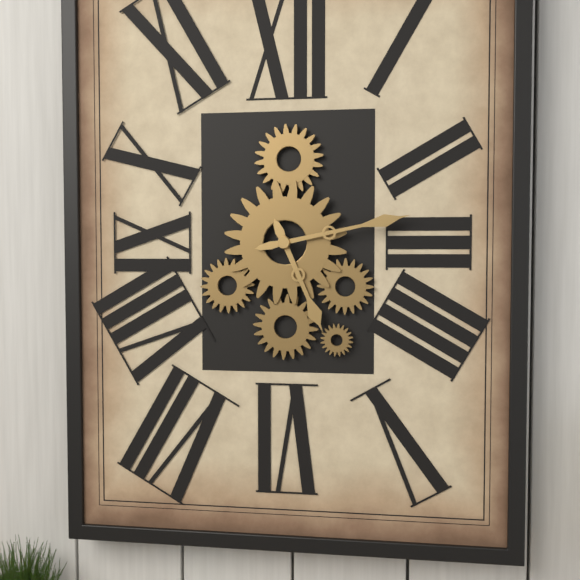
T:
5.13
